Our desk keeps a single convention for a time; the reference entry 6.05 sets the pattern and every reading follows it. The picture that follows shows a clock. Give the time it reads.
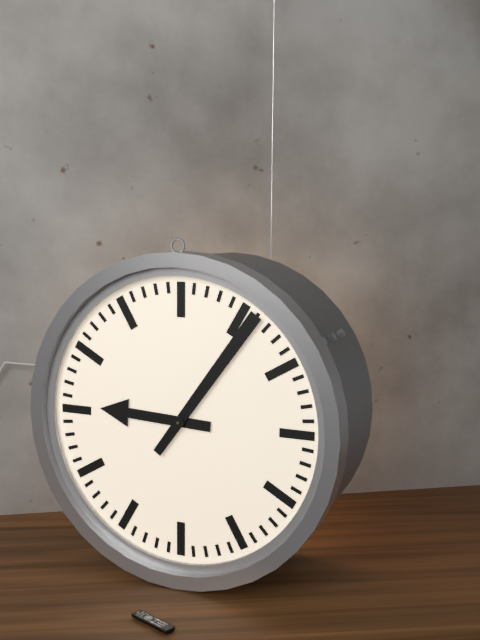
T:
9.06
